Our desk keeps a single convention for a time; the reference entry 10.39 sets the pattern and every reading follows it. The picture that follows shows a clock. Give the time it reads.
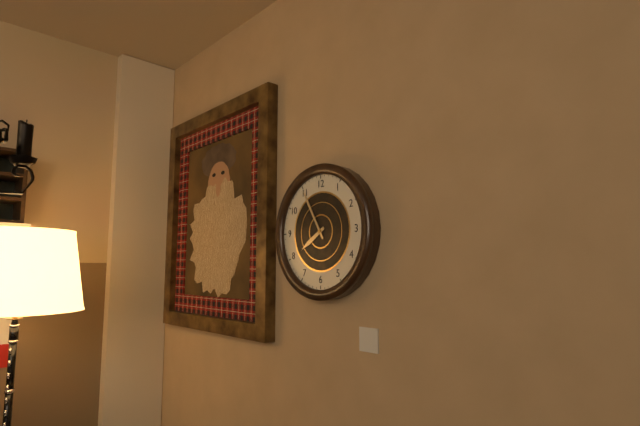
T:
7.55
